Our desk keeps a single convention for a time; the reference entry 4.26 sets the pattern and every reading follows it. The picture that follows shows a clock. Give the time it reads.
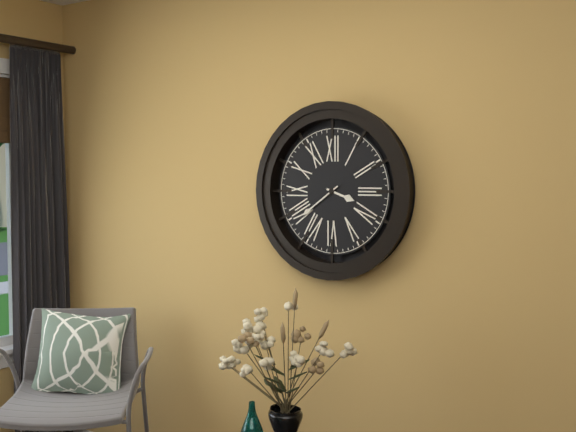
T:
3.39
